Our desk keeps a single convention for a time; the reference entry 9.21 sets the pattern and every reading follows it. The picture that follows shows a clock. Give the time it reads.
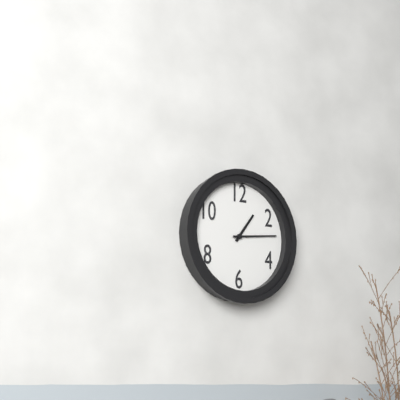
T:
1.14
